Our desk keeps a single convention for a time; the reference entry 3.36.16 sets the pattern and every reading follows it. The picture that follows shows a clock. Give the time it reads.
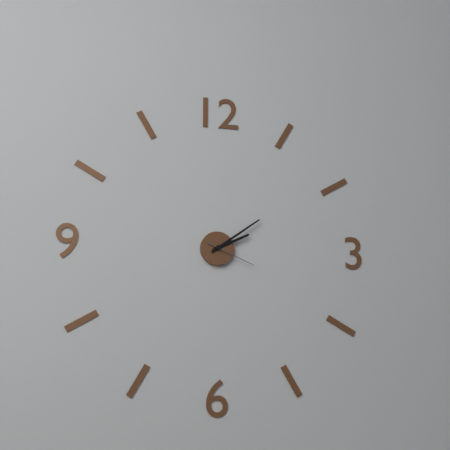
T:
2.09.19
